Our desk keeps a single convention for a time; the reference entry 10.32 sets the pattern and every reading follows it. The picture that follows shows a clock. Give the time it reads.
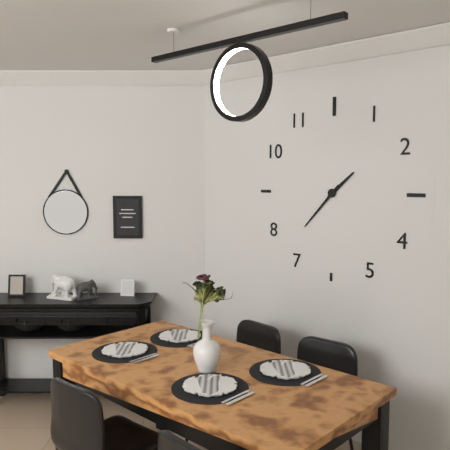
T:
1.37
